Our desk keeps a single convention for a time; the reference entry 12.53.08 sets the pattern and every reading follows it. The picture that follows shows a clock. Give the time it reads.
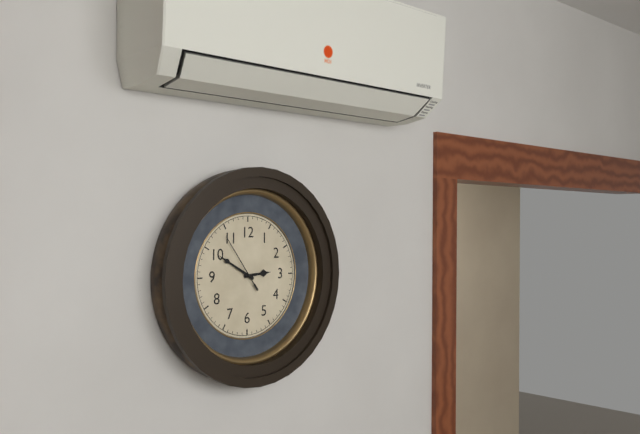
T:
2.50.54
